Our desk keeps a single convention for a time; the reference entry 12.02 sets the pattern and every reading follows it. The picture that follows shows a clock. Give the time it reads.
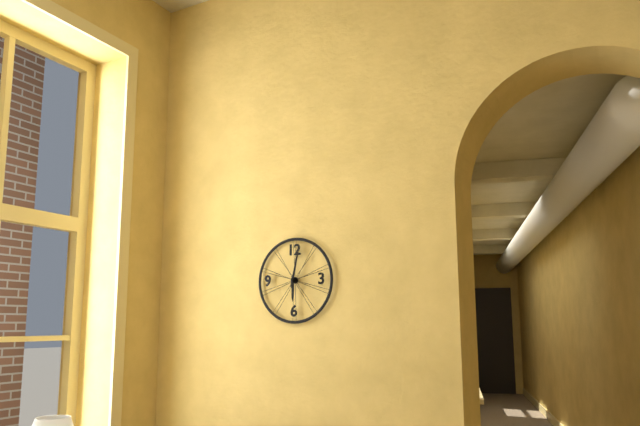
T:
6.02
